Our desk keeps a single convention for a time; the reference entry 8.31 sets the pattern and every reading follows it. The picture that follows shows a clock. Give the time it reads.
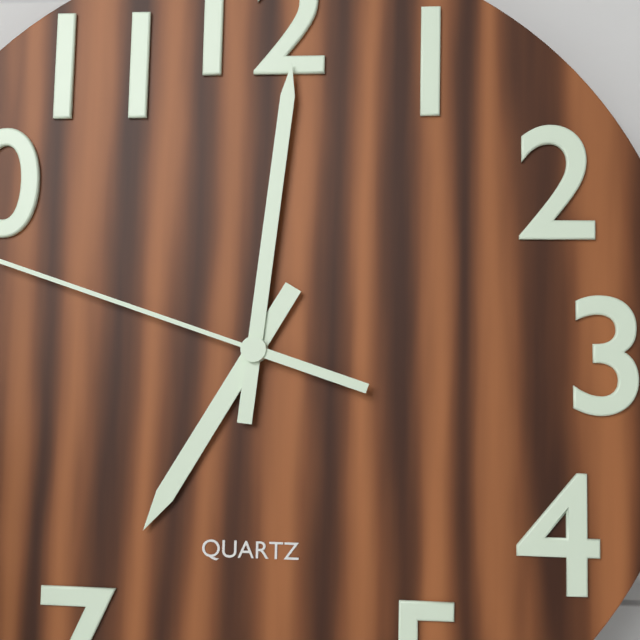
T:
7.01
